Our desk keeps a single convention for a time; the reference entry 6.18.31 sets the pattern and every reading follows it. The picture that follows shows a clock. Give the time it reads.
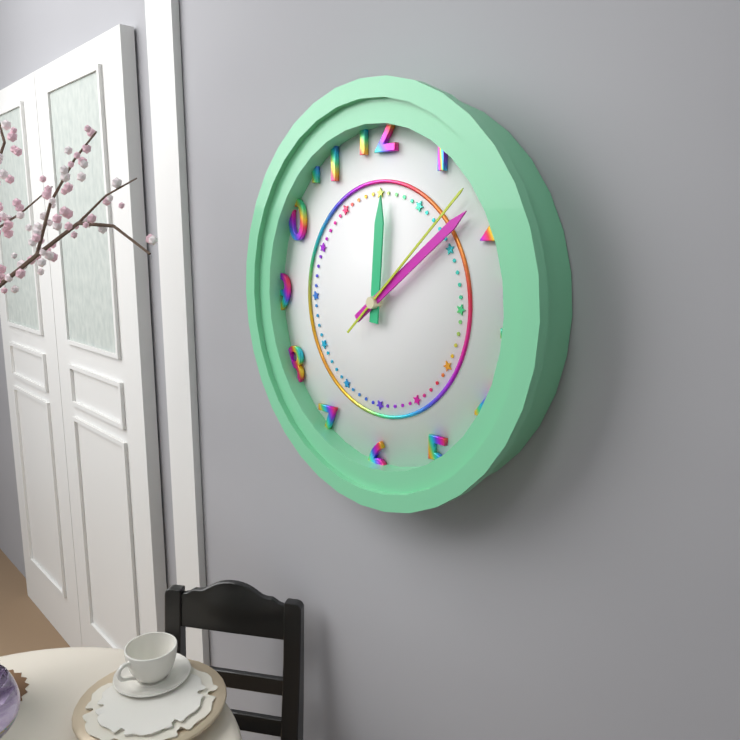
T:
12.09.08
